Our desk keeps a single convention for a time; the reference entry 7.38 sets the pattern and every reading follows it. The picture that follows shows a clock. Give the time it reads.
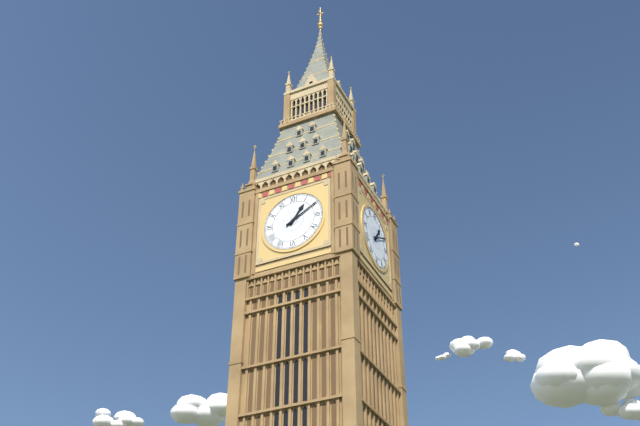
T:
1.10
